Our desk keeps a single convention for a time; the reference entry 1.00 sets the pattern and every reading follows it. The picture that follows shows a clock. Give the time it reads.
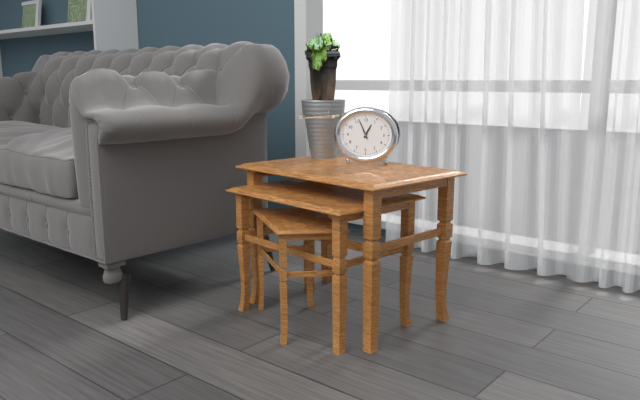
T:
12.56
